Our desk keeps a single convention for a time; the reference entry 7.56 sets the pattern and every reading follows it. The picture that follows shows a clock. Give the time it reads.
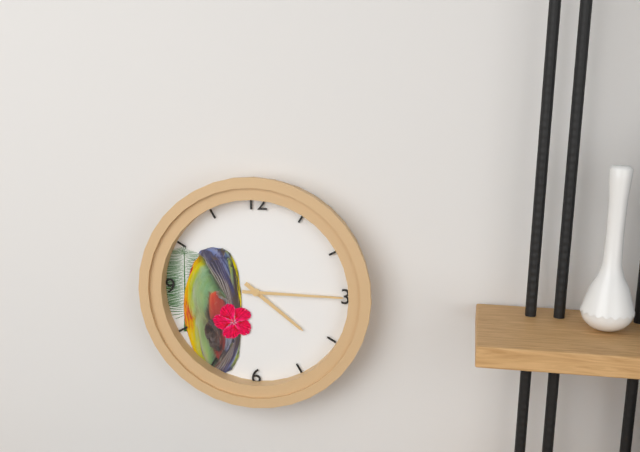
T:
4.15
